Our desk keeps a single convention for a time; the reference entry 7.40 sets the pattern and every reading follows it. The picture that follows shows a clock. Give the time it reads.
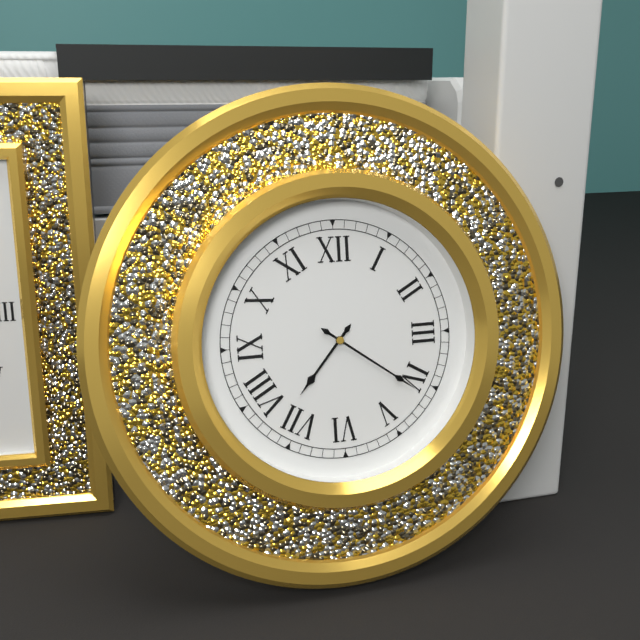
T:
7.21
